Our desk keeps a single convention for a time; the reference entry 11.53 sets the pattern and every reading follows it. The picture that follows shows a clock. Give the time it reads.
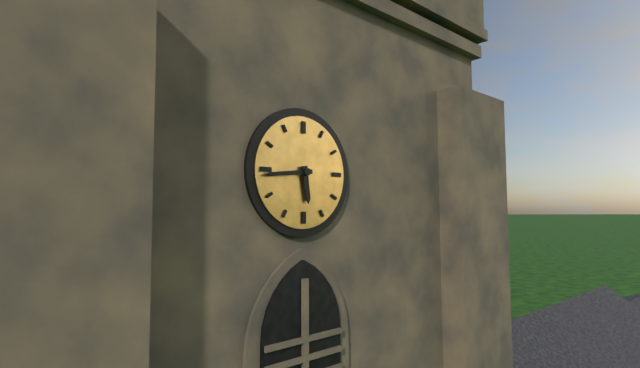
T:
5.44
